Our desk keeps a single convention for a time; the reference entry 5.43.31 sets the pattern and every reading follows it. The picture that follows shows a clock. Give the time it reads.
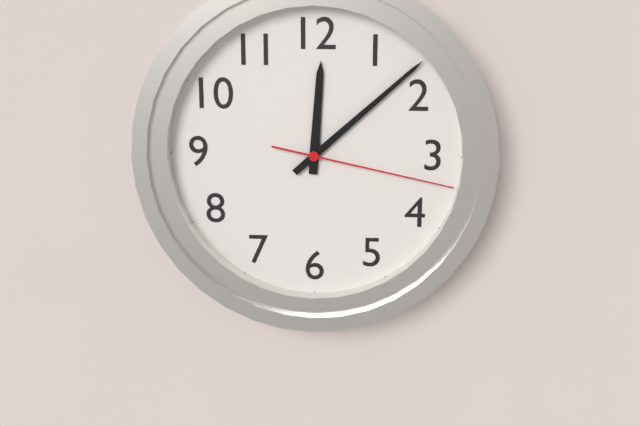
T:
12.08.17
